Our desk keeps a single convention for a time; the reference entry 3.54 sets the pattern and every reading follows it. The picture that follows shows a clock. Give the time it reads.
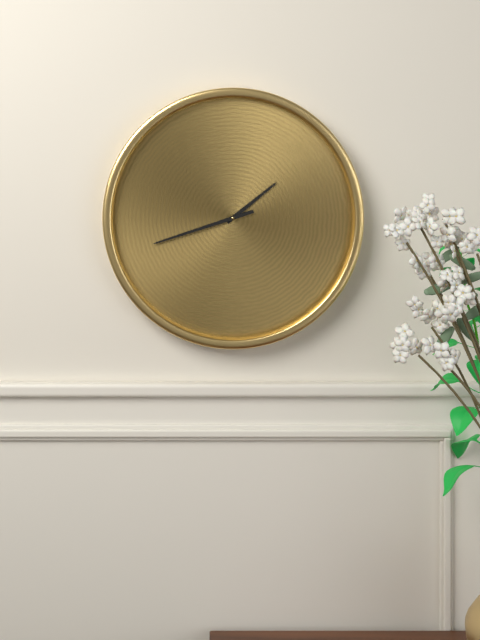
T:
1.42
